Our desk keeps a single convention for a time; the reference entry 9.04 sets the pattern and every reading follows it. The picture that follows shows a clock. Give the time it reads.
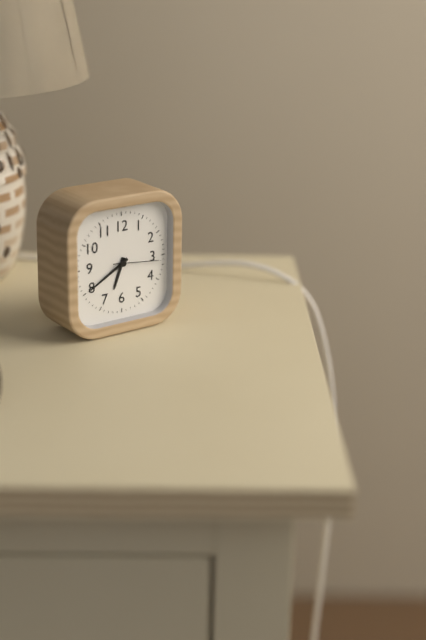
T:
6.40
